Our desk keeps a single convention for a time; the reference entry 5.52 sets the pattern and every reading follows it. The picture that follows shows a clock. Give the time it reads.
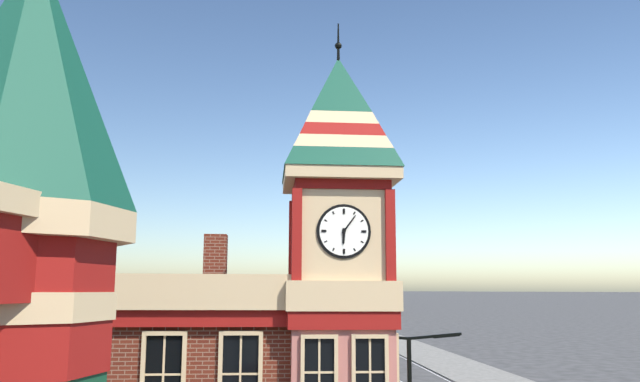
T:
6.06
